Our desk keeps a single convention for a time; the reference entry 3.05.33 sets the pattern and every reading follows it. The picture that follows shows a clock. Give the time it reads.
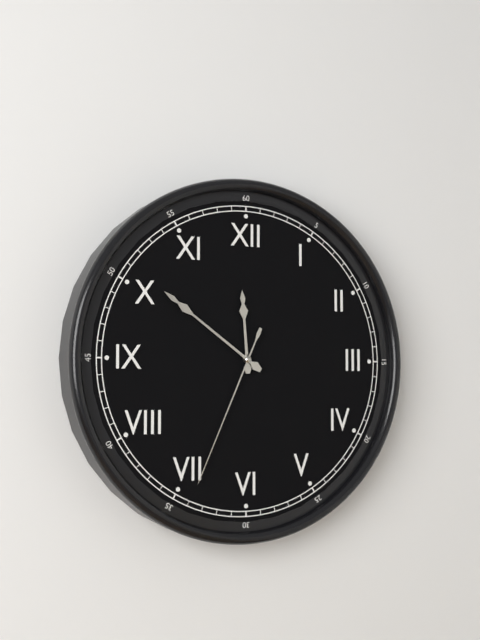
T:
11.51.34
